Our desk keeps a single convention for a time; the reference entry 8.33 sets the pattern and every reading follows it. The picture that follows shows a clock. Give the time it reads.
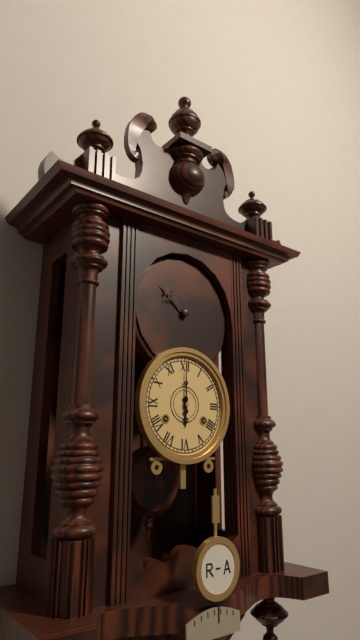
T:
6.00
